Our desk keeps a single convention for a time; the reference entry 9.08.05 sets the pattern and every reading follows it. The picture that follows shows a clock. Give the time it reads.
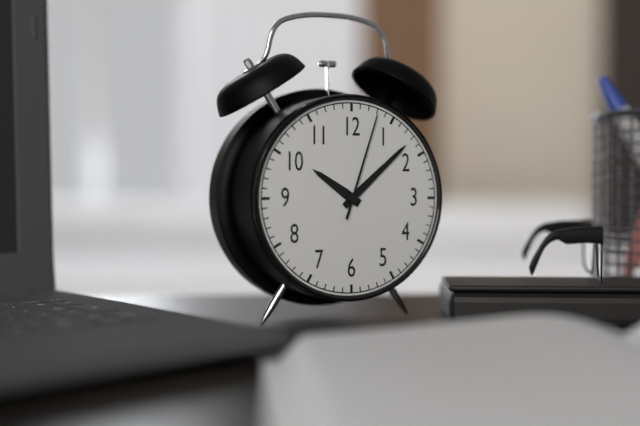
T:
10.08.03
